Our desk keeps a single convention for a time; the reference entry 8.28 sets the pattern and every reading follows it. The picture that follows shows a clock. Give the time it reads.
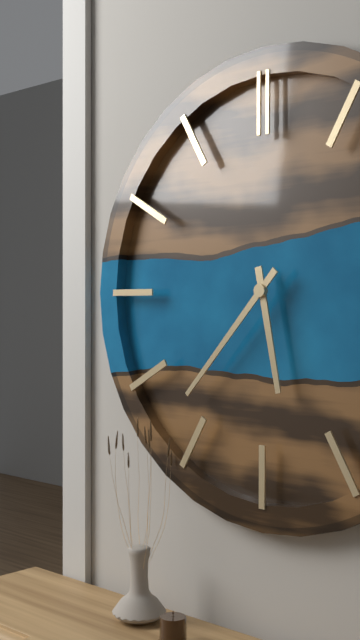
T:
5.37
